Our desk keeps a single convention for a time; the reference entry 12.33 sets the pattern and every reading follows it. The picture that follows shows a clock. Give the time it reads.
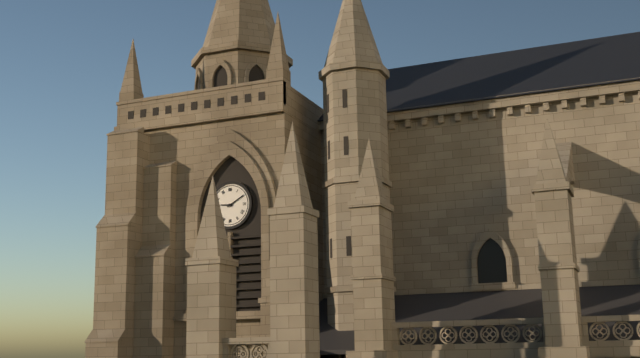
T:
9.10
